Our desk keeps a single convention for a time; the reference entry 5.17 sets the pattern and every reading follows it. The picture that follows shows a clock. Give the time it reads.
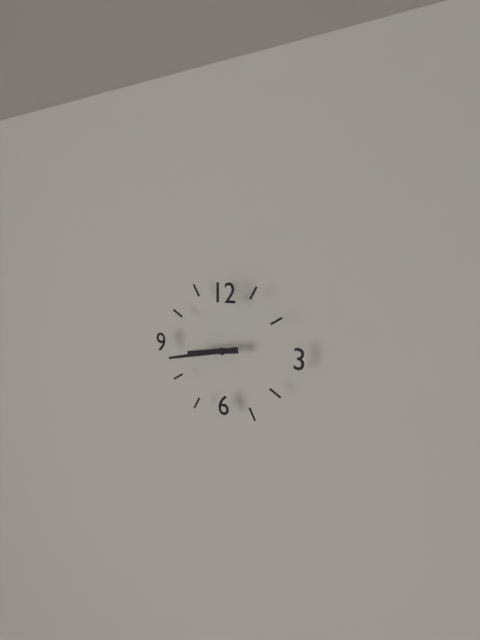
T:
8.43
